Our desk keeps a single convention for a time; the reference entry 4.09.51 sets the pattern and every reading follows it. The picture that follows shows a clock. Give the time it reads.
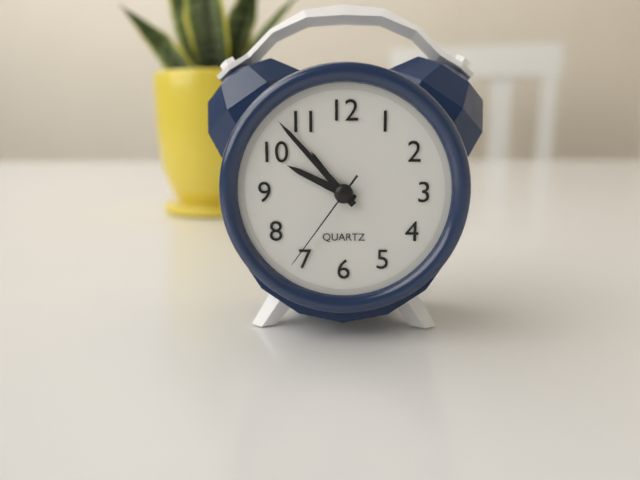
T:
9.53.36
